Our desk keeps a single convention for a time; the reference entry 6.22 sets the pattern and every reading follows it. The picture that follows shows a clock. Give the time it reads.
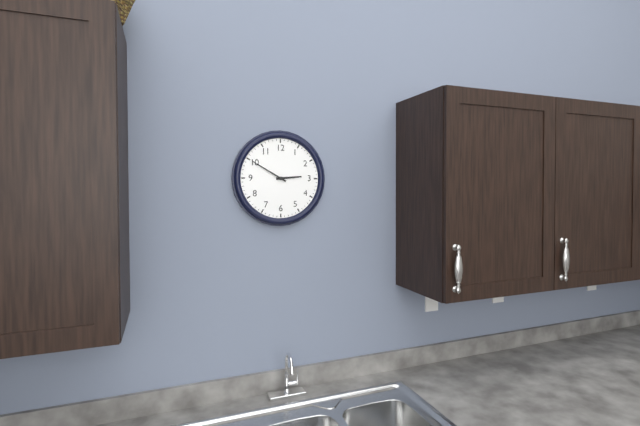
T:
2.50
